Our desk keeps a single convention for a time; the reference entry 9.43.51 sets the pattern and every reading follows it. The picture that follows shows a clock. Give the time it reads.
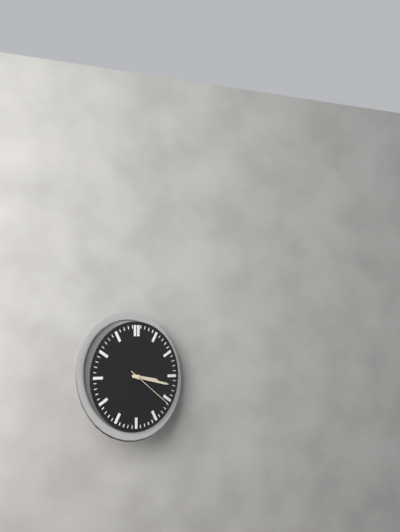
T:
3.17.21
